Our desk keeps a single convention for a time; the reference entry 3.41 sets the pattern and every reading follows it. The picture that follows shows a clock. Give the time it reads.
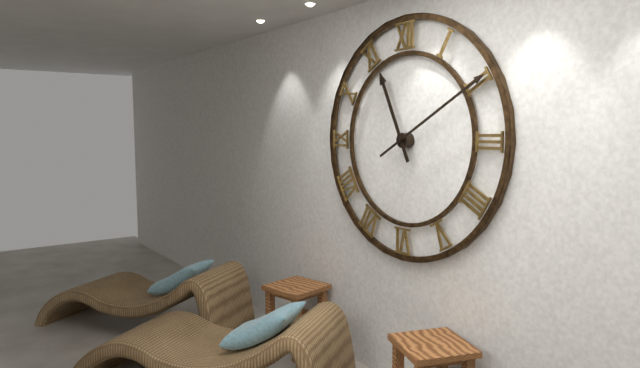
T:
11.10
